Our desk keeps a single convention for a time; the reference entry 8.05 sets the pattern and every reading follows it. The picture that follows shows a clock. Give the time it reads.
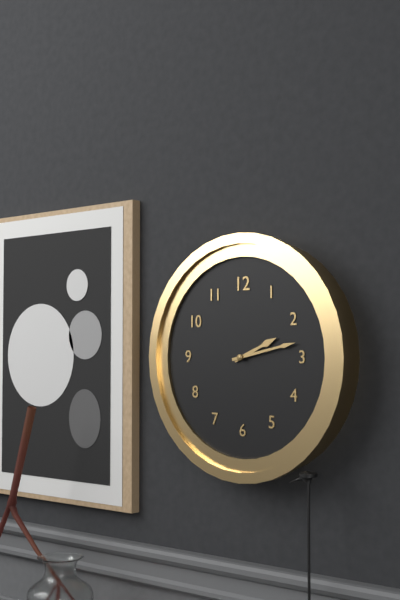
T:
2.13
